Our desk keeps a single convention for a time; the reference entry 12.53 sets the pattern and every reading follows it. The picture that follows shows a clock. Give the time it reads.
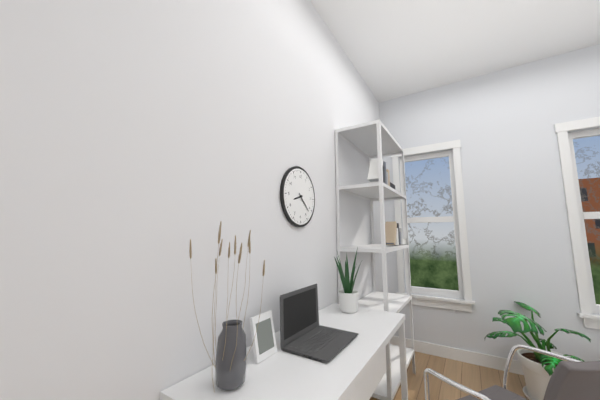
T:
8.22
